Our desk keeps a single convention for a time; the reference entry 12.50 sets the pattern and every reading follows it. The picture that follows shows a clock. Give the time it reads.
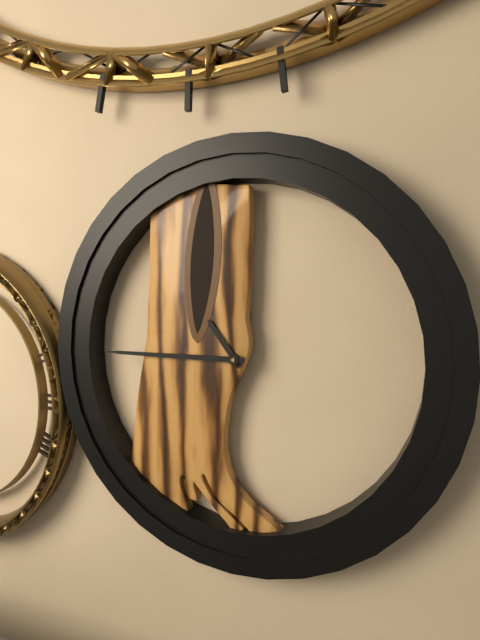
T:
10.45
